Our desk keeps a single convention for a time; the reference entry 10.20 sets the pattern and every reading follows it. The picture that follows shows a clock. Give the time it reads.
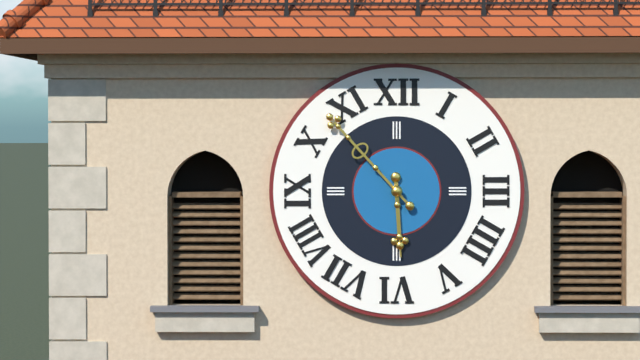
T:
5.53
